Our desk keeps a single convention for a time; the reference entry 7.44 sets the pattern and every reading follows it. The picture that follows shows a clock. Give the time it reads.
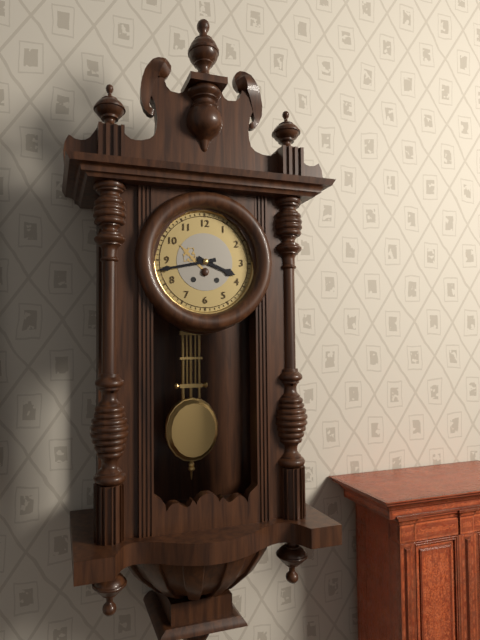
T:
3.43
